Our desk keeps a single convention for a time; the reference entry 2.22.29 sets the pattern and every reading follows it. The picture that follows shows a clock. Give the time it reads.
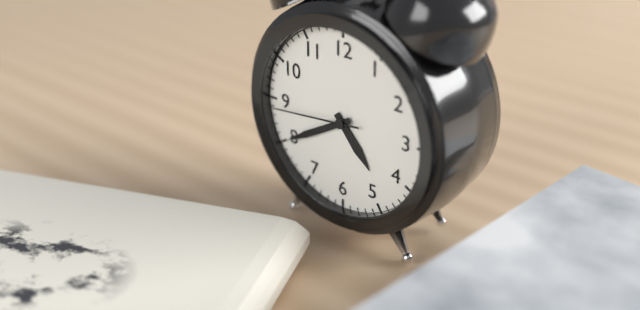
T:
4.40.44
